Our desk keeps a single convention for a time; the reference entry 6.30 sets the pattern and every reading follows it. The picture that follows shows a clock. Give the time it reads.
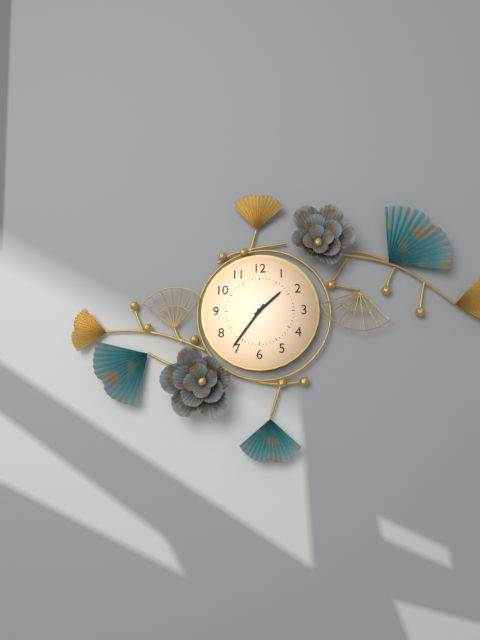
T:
1.36
